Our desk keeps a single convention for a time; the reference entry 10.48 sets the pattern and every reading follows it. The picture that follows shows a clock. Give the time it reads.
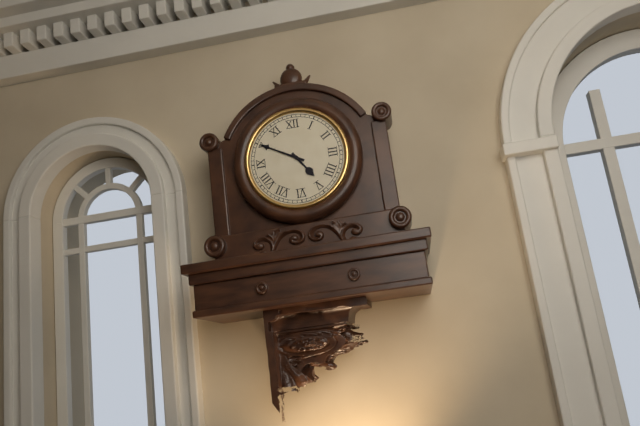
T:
4.50
